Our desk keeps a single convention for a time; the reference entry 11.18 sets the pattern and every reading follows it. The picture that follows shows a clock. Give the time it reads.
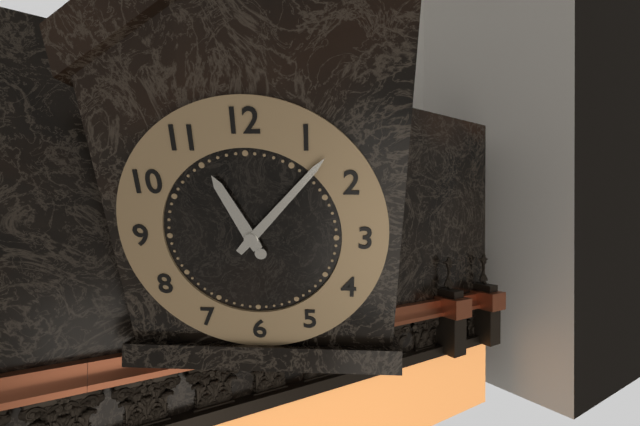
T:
11.07
